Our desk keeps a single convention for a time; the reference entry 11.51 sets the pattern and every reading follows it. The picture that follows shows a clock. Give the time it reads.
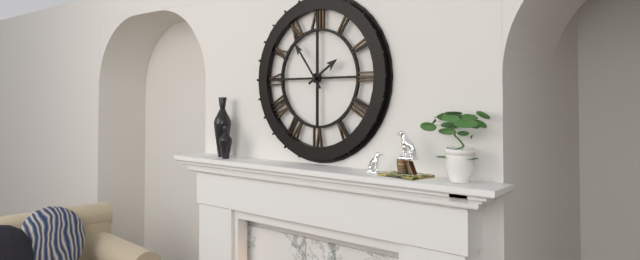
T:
1.54
